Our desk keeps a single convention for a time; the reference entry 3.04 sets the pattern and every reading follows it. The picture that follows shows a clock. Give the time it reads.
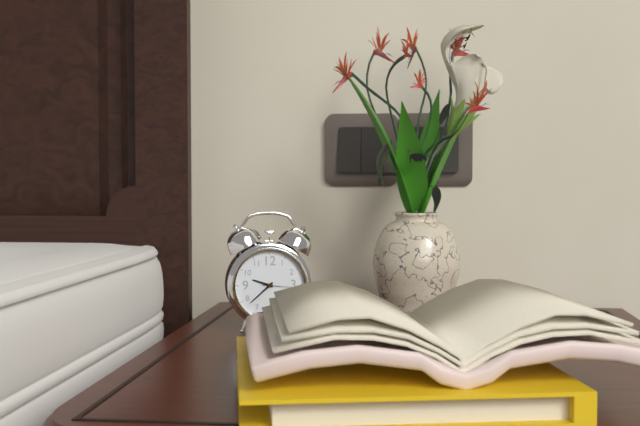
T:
9.38
